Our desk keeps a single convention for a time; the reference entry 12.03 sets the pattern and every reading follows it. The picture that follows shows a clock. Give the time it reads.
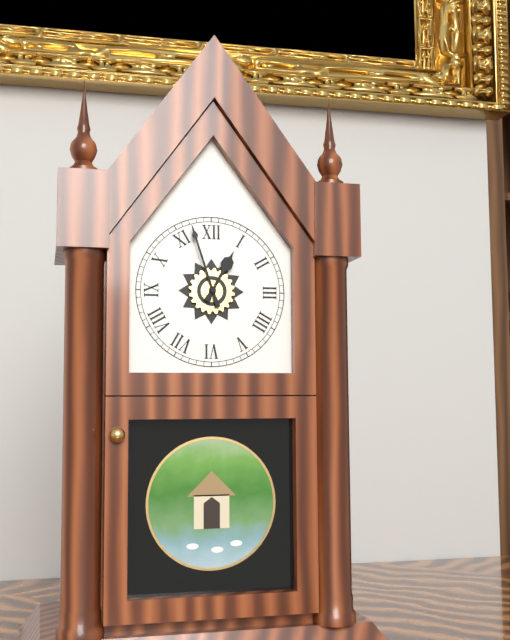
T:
12.57
